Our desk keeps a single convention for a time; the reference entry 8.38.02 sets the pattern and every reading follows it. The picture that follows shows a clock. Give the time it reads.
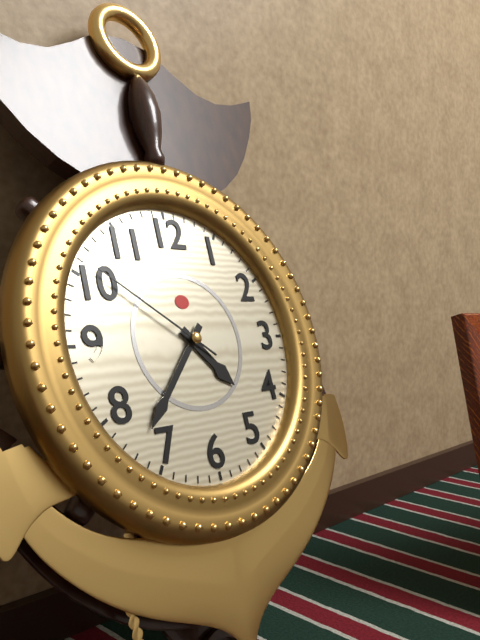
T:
4.37.51
